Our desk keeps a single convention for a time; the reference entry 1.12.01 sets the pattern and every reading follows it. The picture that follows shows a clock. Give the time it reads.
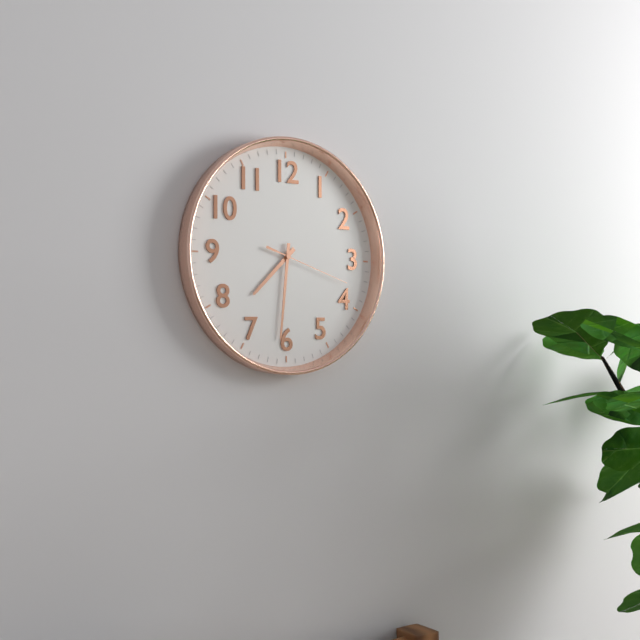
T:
7.31.18
